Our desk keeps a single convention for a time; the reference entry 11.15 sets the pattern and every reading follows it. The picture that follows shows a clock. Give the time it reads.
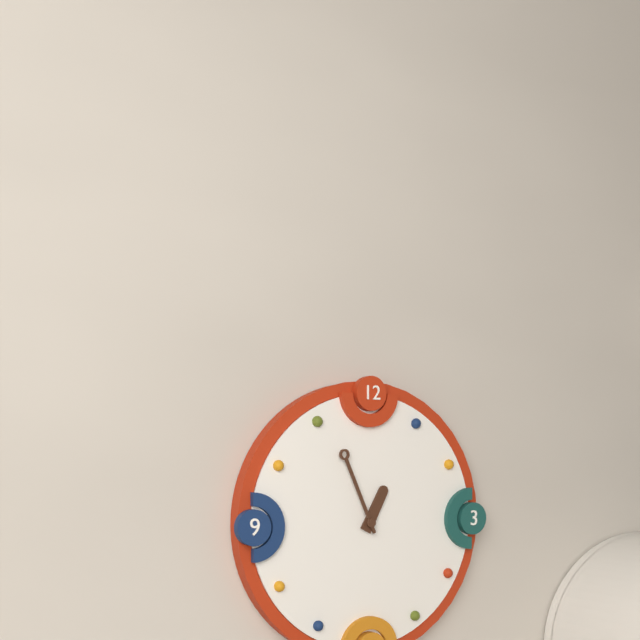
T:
12.56
